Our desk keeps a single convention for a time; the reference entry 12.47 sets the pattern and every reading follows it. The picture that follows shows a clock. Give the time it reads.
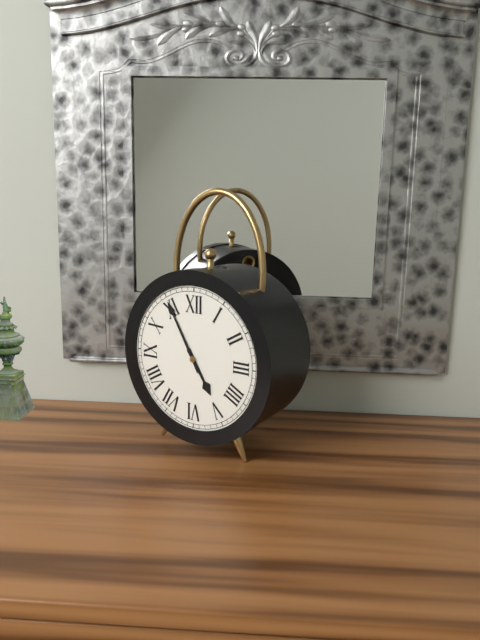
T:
4.55
